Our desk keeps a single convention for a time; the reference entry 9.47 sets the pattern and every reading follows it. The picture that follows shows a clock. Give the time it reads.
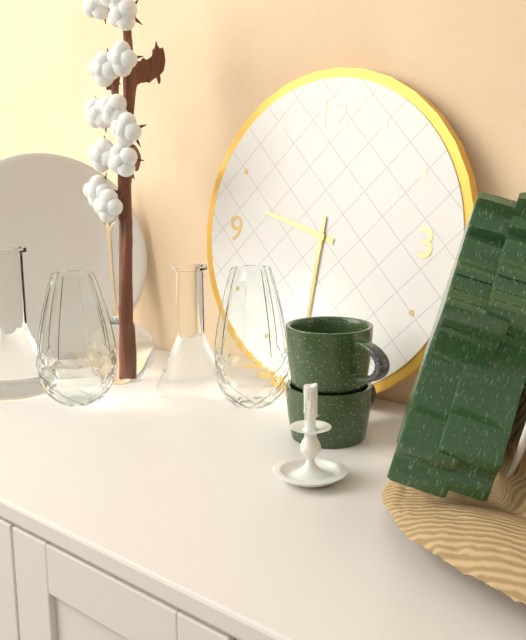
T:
9.31
